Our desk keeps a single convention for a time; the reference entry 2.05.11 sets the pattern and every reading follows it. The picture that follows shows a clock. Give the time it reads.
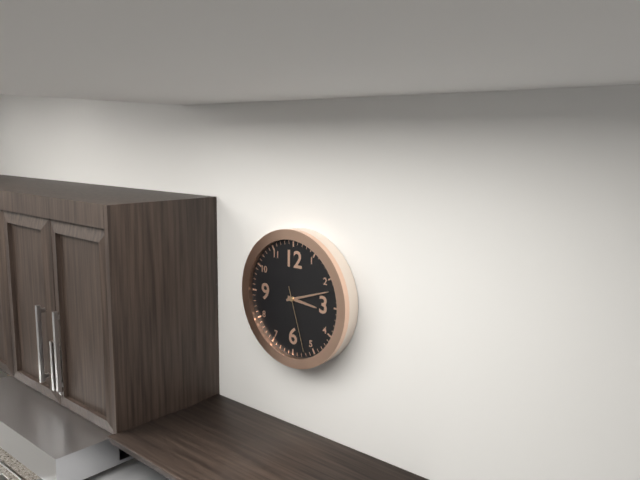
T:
3.12.27
